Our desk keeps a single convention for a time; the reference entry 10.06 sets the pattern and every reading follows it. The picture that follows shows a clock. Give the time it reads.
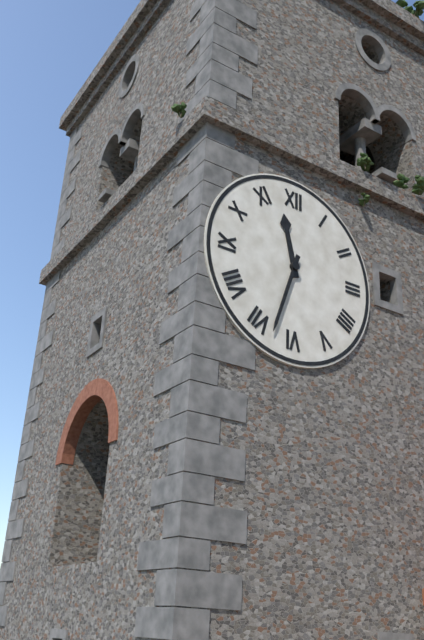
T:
11.33
